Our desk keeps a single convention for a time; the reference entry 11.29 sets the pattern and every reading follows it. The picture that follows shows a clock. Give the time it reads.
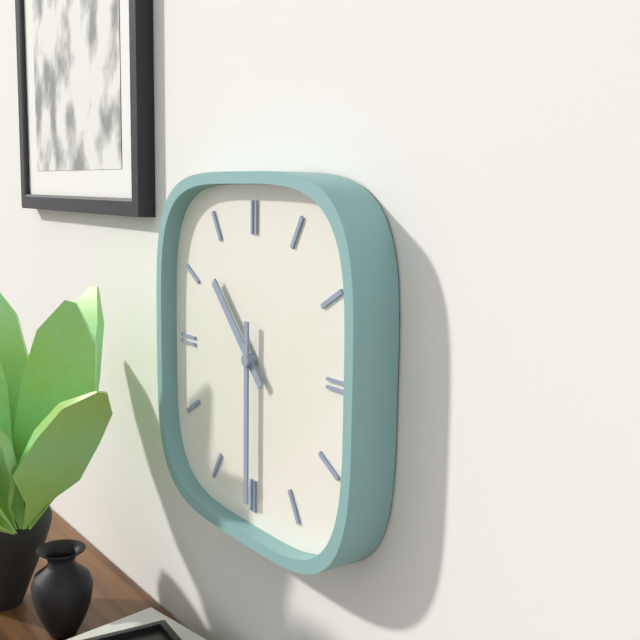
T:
10.30
